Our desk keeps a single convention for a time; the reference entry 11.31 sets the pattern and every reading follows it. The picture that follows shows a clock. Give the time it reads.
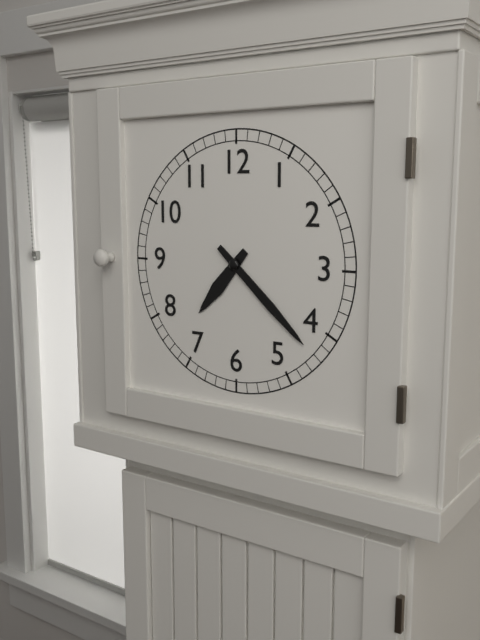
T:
7.22
